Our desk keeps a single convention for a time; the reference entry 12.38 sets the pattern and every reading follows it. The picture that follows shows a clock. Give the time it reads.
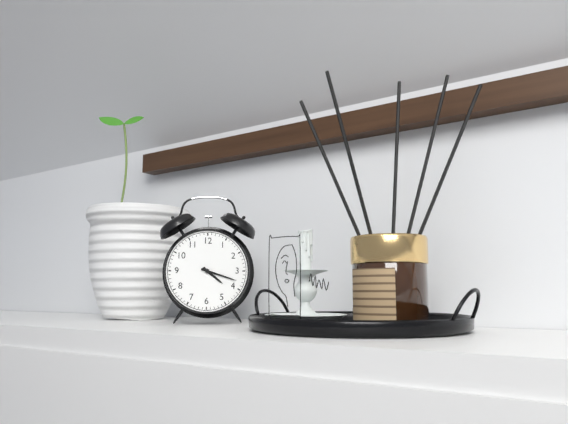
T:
4.18
